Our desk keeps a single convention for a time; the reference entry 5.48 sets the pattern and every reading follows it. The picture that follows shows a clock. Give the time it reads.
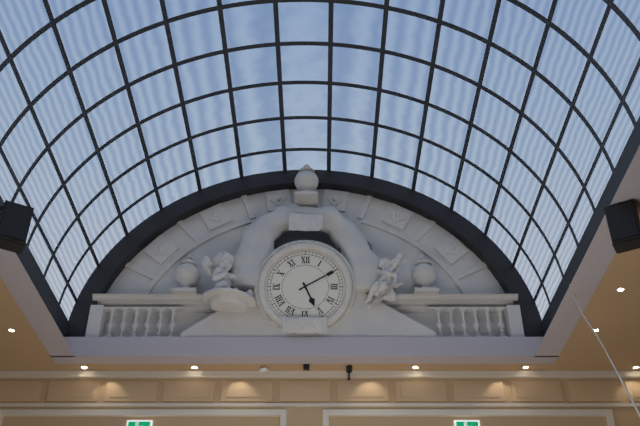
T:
5.10
